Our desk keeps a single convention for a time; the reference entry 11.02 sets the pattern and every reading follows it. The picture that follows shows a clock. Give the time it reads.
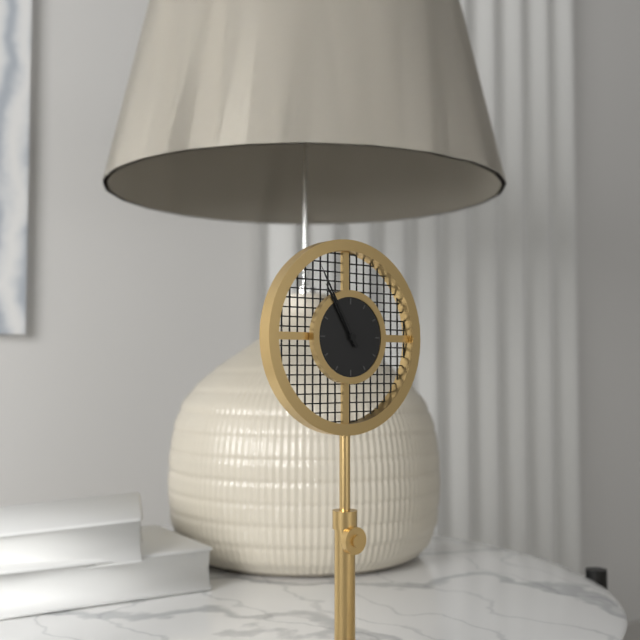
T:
10.55
